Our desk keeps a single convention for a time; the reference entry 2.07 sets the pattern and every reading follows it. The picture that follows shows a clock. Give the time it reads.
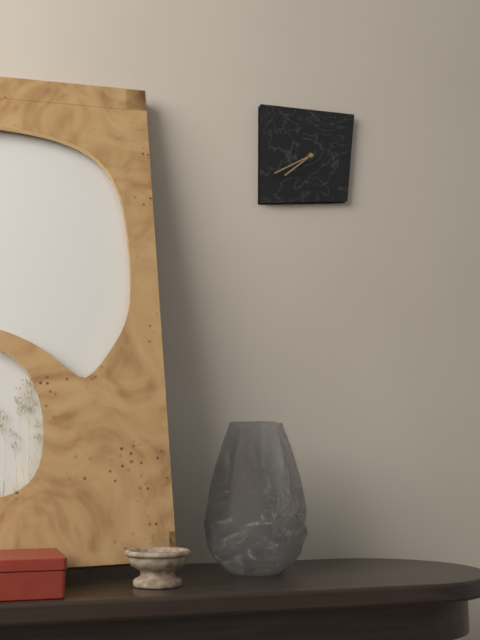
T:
7.40
